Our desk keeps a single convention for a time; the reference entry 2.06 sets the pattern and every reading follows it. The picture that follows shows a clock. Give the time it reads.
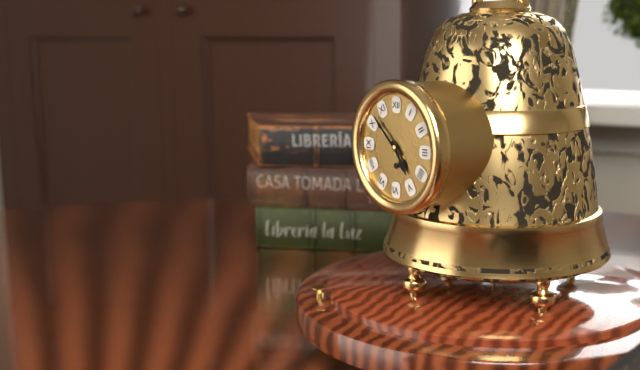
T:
4.52
